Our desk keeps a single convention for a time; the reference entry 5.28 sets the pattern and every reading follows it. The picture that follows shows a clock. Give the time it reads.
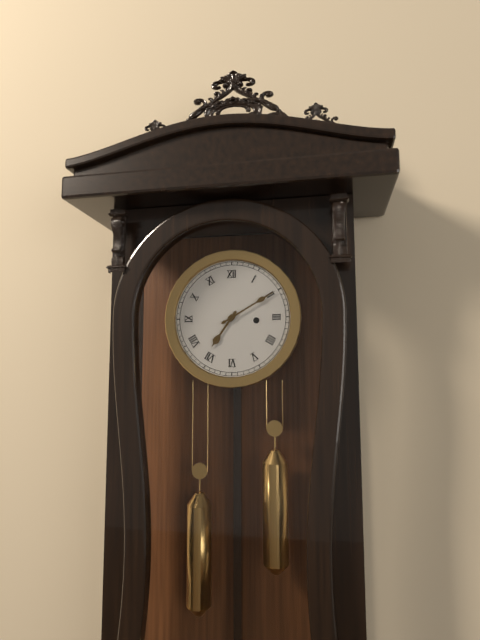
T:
7.10
